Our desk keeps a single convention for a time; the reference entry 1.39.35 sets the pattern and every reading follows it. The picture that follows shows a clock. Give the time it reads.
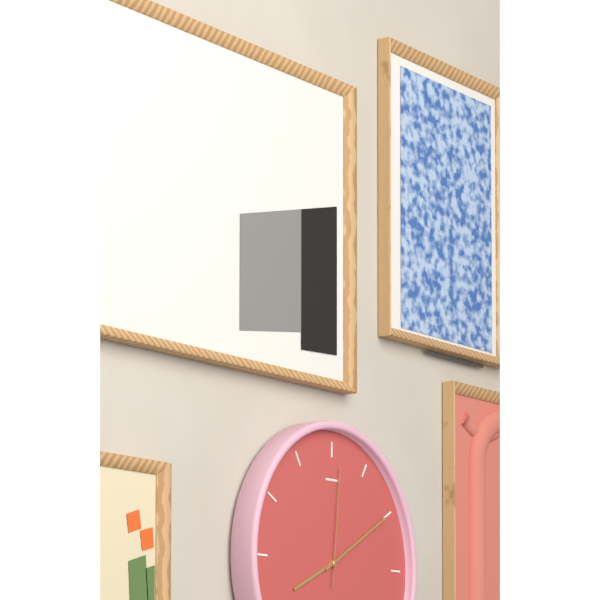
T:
8.10.01
